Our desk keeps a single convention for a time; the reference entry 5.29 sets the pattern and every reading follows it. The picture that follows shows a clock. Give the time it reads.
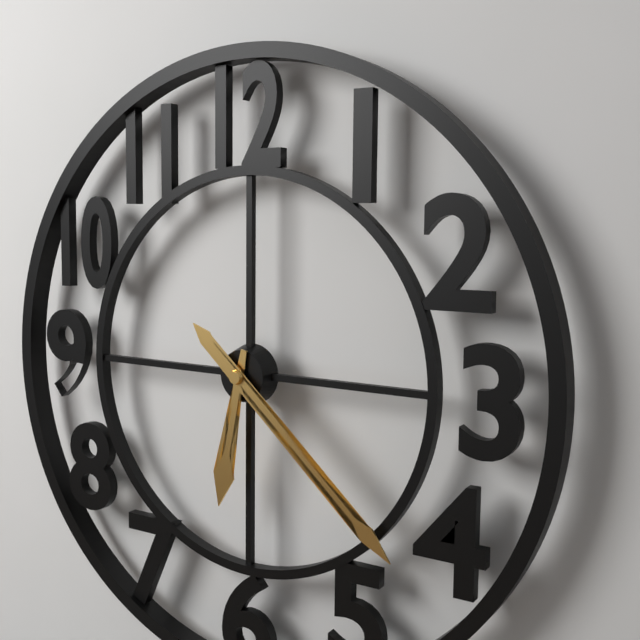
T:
6.22
